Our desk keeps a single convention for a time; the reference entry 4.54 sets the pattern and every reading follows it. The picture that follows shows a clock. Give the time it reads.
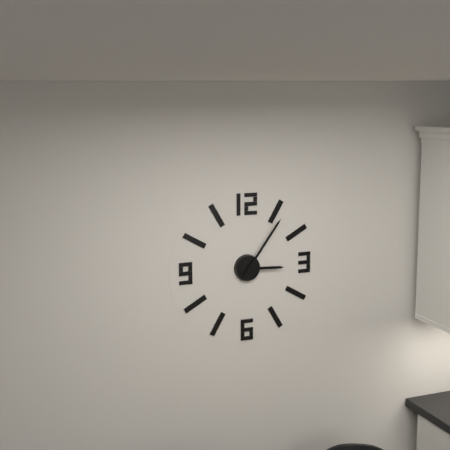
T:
3.06
